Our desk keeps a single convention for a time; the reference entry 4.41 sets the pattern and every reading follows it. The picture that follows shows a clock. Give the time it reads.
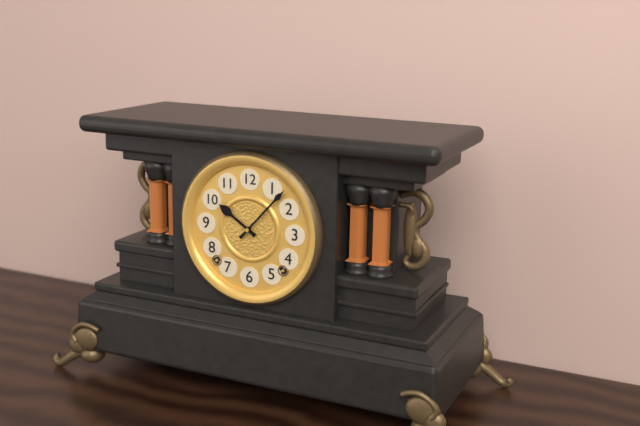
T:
10.07
